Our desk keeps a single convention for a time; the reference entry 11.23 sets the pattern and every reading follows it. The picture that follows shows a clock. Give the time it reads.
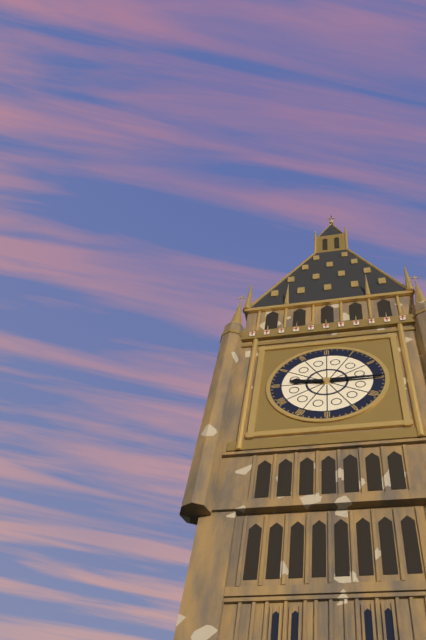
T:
9.15
